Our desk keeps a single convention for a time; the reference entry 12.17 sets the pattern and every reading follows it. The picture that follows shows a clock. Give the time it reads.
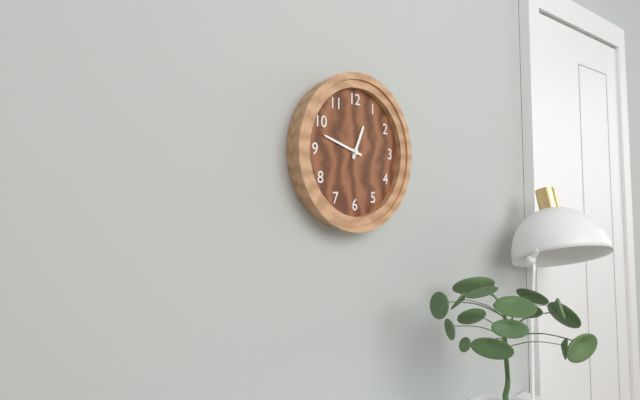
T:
12.48
